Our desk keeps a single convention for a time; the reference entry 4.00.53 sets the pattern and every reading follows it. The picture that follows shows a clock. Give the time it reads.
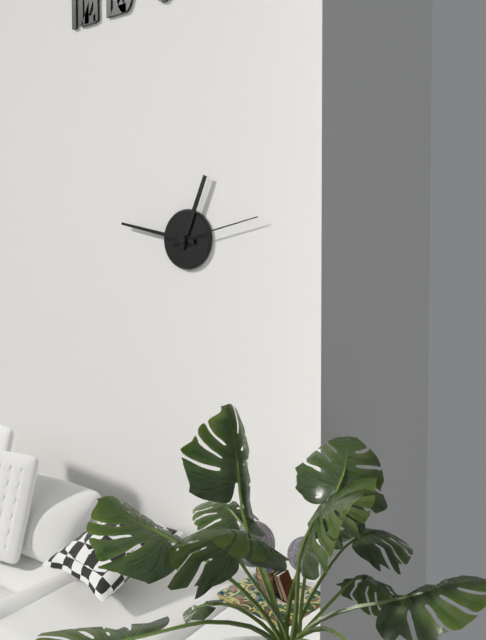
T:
12.47.13
